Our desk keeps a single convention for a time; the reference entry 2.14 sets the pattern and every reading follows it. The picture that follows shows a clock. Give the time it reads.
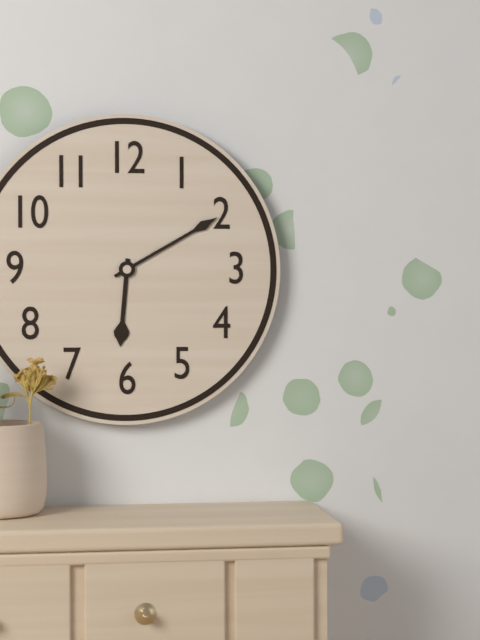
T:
6.10
